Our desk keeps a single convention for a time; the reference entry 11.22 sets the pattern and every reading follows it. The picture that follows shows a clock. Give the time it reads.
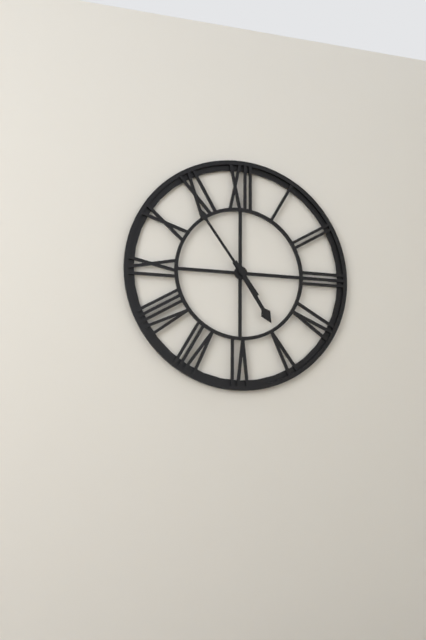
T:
4.54
